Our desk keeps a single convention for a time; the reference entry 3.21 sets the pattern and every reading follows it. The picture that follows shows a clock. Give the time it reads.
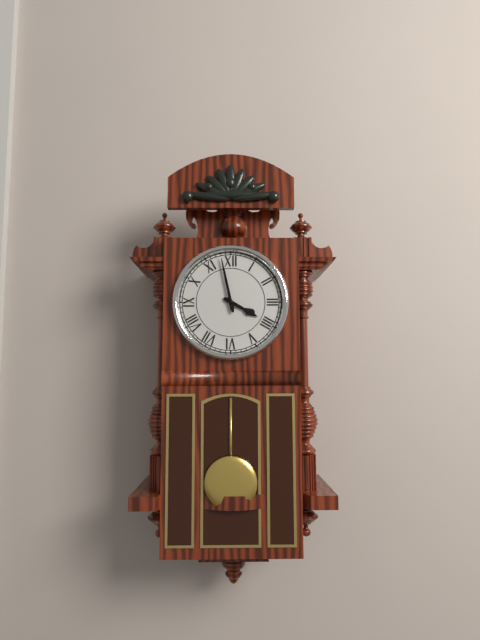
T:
3.58
